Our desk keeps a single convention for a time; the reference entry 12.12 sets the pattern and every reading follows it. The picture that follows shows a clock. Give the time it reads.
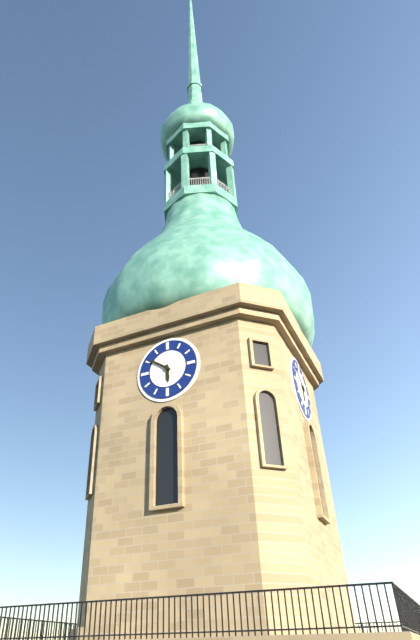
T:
5.51
